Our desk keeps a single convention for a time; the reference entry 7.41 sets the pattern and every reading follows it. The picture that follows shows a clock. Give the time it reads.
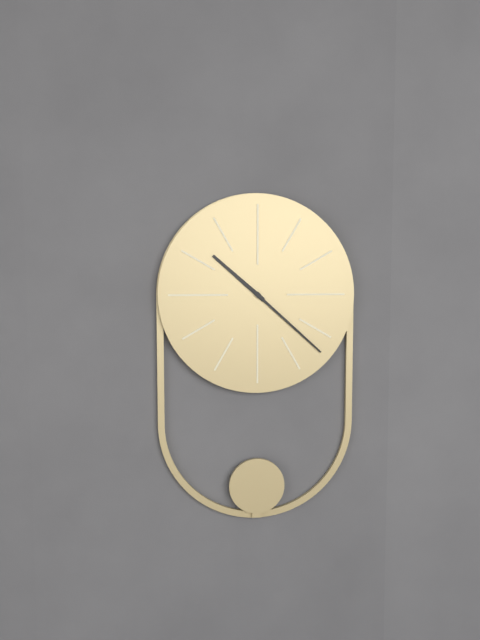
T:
10.22
